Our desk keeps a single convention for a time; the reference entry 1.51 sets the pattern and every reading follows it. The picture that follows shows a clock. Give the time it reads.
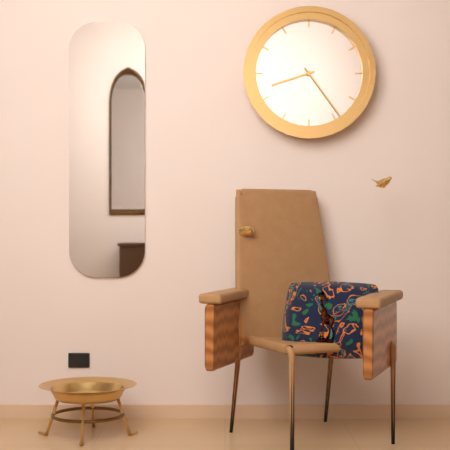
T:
8.24
